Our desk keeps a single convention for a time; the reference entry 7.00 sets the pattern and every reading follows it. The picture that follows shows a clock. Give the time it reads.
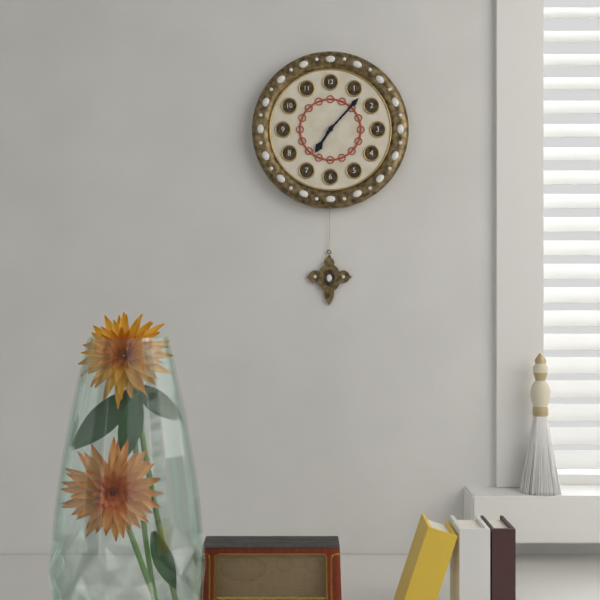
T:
7.07
